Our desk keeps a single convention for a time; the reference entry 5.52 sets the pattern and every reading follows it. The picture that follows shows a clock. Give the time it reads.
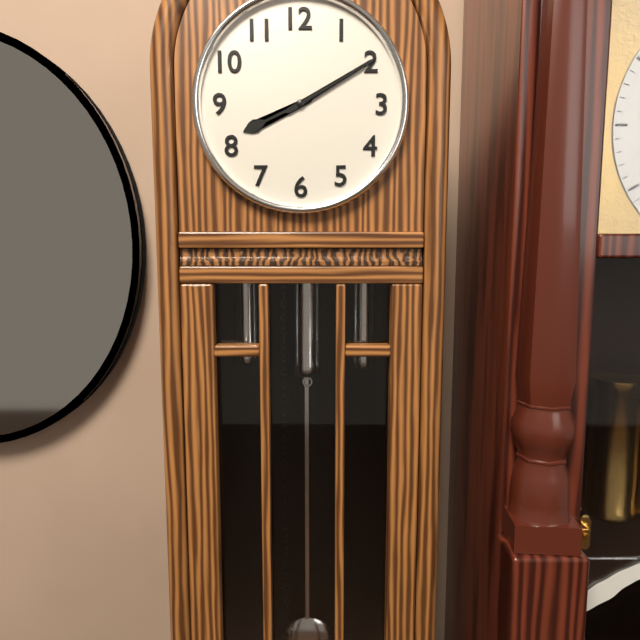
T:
8.10
